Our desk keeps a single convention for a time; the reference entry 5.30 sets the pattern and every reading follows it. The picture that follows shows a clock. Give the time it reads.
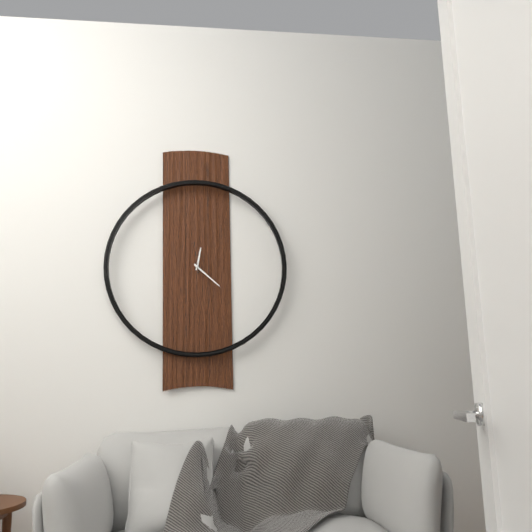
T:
12.22
